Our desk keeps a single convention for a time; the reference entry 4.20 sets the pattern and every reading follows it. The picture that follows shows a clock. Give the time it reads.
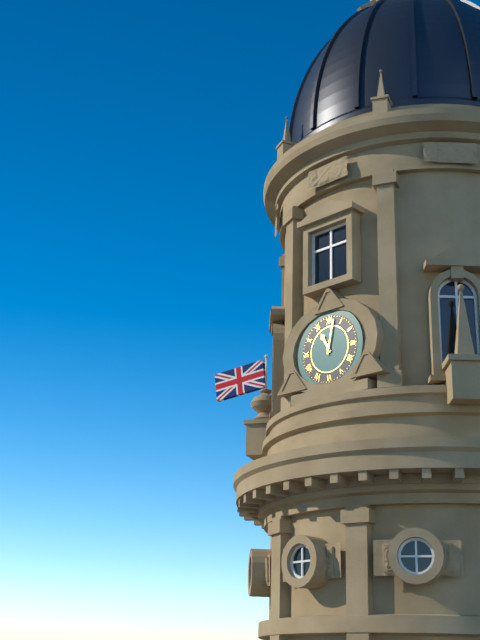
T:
11.02
